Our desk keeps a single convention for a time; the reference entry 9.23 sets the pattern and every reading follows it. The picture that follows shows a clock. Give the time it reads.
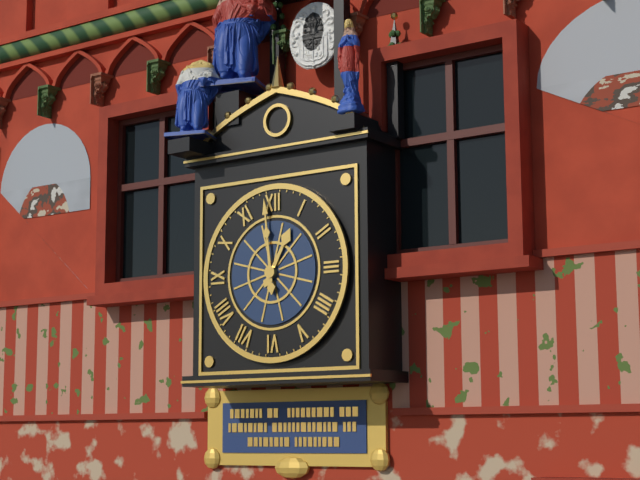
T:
12.59
